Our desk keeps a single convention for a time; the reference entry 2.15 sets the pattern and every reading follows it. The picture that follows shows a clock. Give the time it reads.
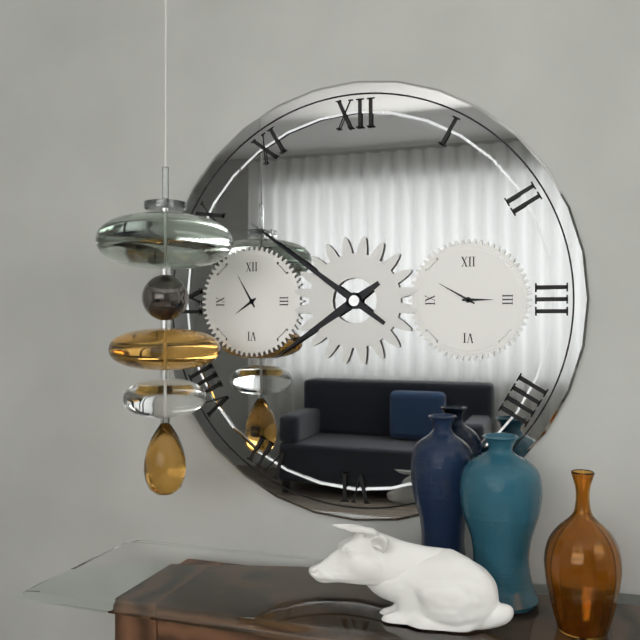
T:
7.51
